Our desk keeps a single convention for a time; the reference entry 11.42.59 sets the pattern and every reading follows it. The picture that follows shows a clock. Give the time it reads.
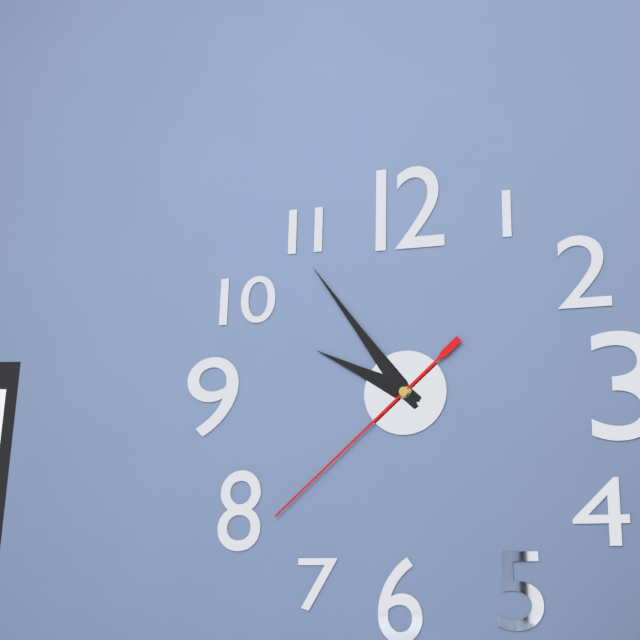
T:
9.54.38
